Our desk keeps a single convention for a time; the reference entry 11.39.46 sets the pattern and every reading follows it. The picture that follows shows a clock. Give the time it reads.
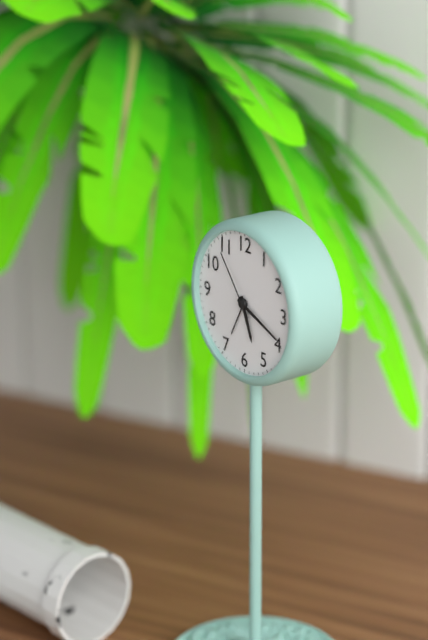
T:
5.19.54
